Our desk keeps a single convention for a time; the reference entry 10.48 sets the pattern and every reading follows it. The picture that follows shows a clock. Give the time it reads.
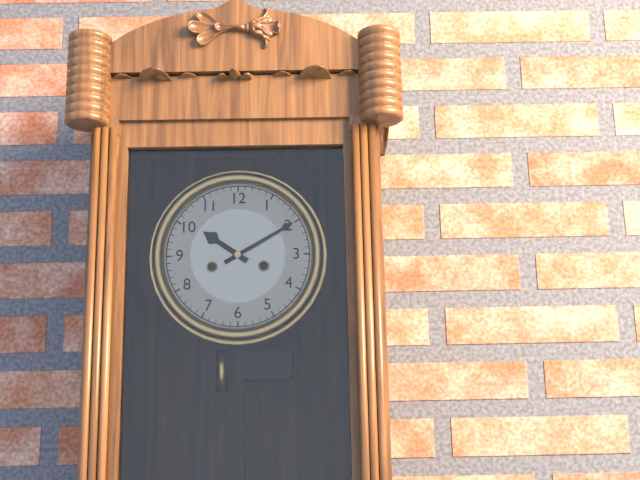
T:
10.10
